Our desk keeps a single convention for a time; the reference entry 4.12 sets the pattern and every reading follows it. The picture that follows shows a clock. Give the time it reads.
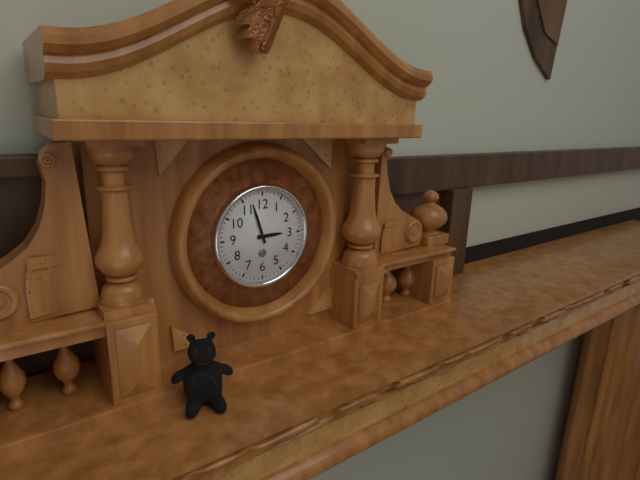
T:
2.57
